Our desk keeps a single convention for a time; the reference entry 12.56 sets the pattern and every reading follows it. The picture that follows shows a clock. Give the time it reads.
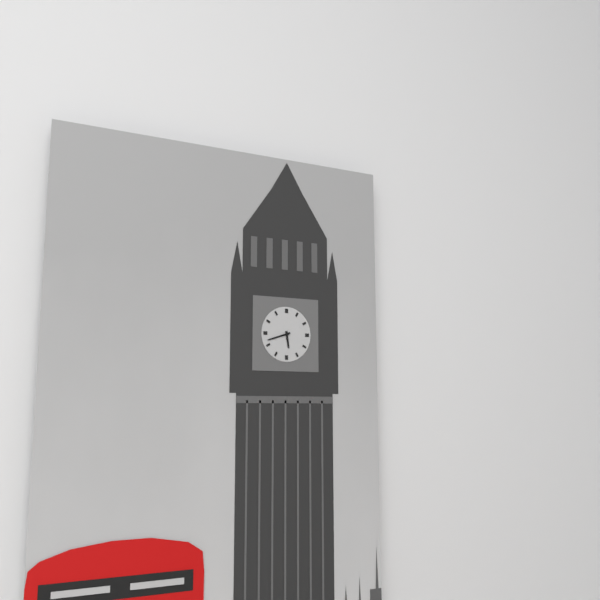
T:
5.42
